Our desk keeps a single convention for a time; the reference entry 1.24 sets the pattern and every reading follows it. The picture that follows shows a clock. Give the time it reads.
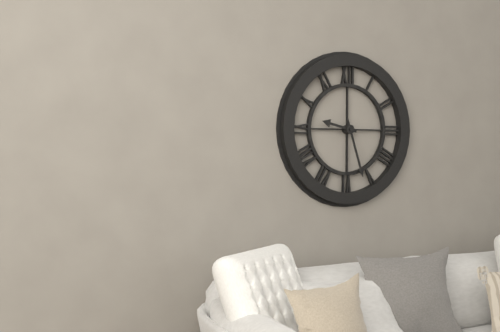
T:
9.27
